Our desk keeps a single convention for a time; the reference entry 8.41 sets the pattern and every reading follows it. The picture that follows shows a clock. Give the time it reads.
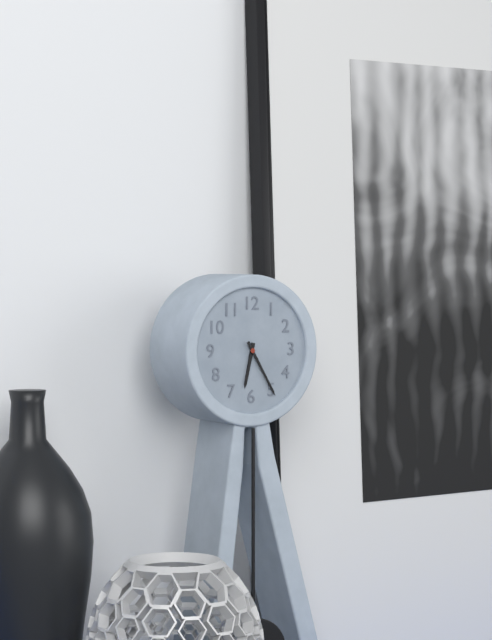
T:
6.25
